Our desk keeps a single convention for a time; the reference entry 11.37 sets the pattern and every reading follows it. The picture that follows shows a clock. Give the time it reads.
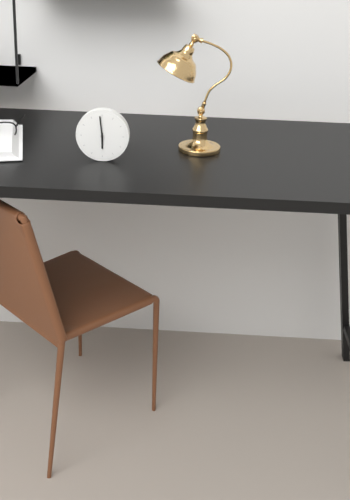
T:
5.59
